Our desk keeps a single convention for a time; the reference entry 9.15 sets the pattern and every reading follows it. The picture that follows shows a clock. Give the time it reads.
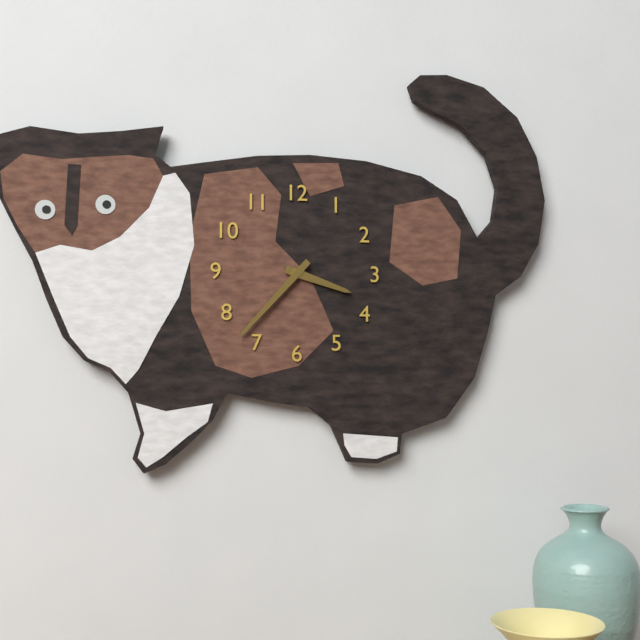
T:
3.37
